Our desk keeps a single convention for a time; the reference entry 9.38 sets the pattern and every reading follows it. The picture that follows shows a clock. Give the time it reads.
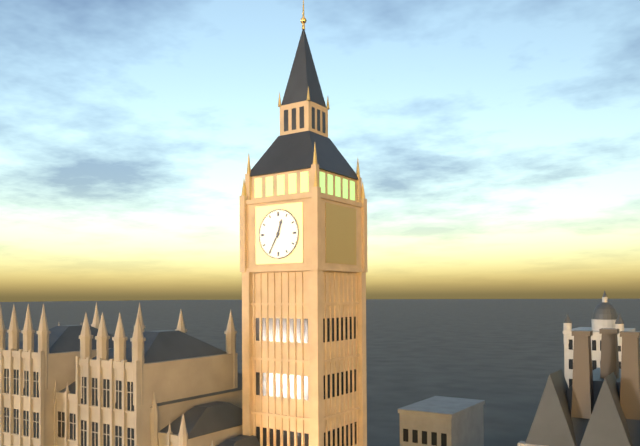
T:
12.35
